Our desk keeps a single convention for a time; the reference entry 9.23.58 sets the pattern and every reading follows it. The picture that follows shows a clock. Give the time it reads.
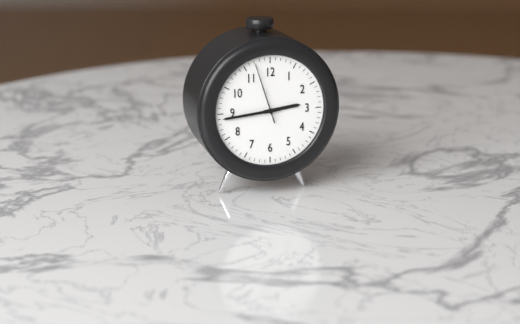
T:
2.44.57
